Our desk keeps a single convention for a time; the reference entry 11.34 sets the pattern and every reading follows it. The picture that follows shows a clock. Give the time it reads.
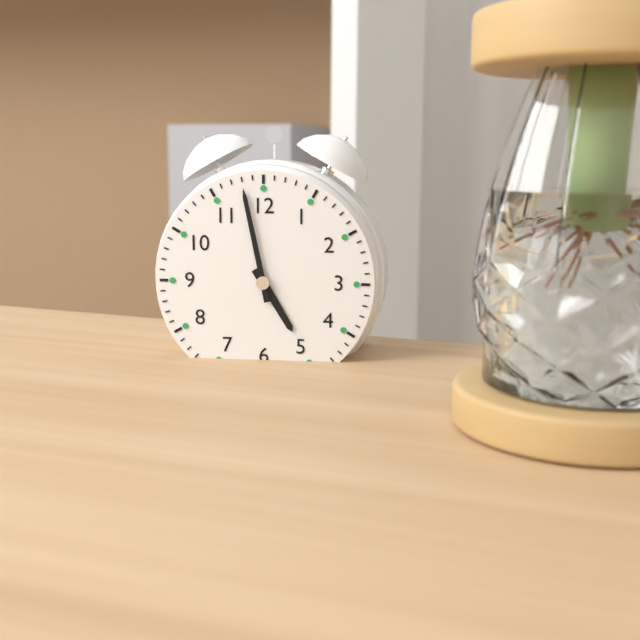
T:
4.58
